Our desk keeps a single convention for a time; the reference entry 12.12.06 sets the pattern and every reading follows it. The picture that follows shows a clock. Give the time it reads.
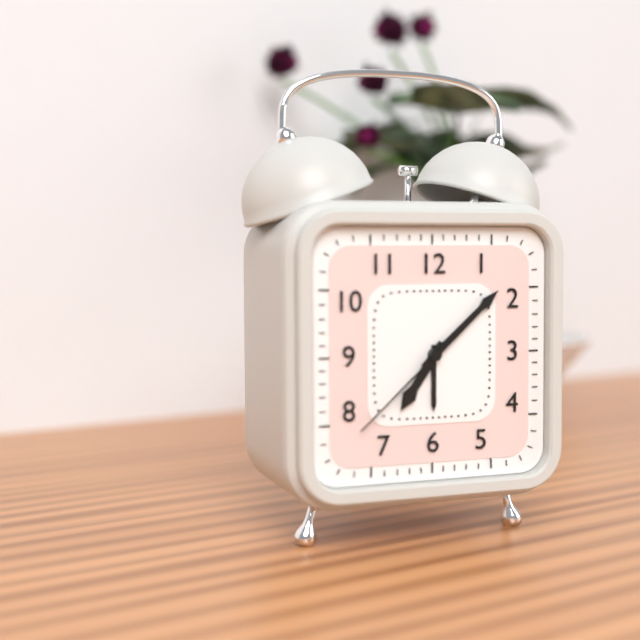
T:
7.08.38
